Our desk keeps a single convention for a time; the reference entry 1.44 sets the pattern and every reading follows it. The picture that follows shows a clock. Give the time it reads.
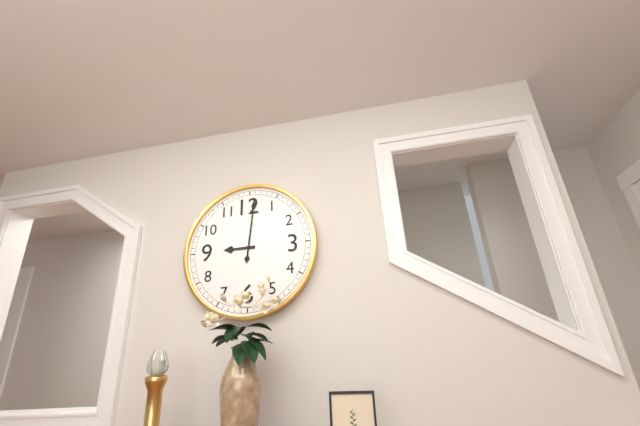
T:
9.01
